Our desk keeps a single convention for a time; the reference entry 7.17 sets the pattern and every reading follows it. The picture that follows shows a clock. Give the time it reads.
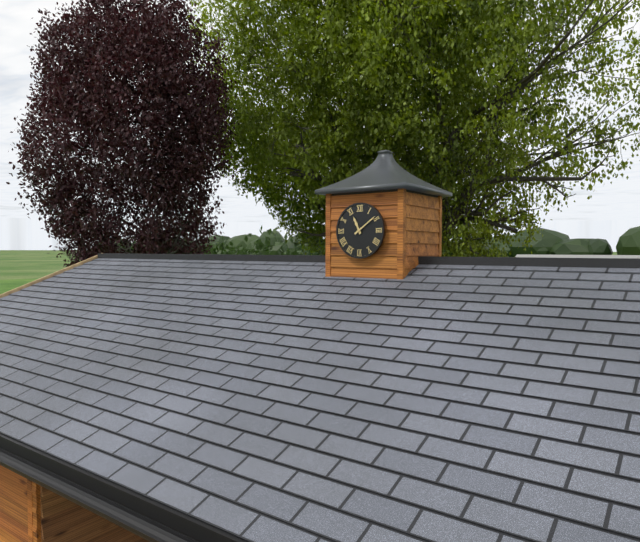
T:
11.09
